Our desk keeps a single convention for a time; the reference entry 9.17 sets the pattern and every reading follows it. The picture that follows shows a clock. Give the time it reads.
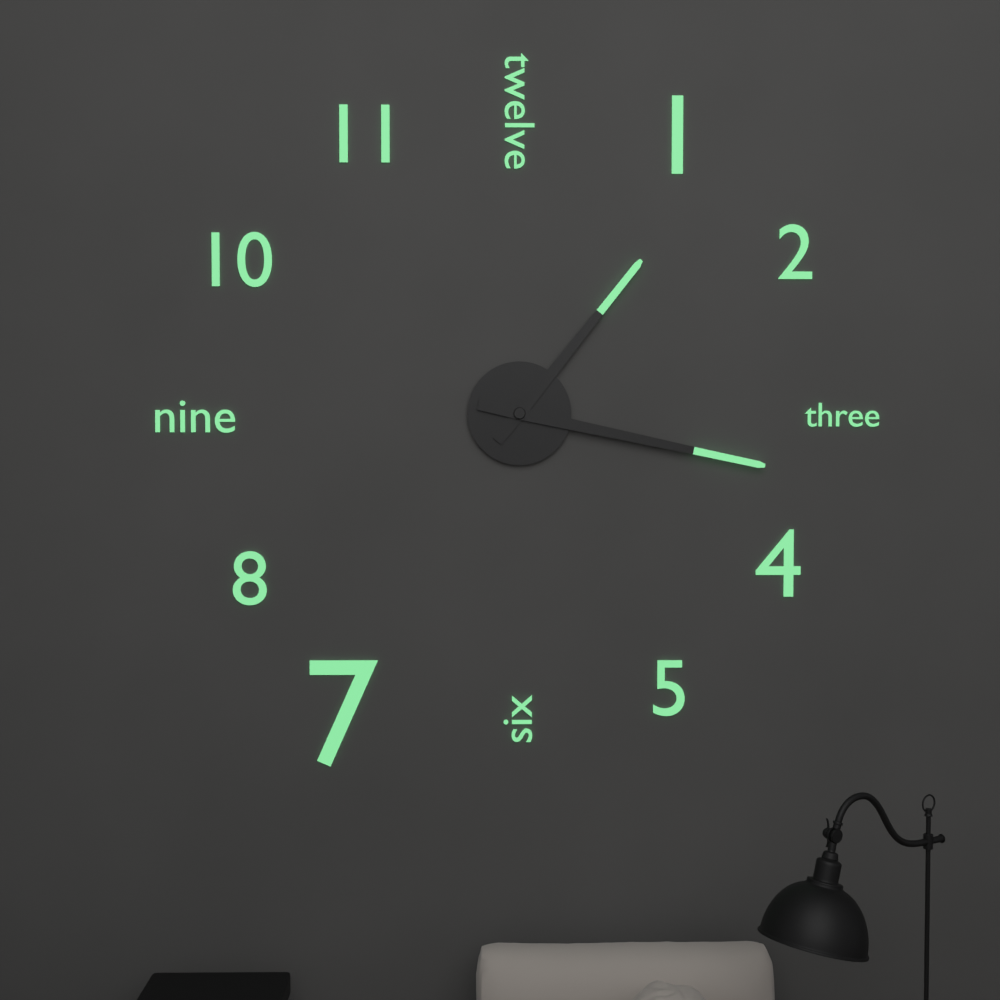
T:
1.17
